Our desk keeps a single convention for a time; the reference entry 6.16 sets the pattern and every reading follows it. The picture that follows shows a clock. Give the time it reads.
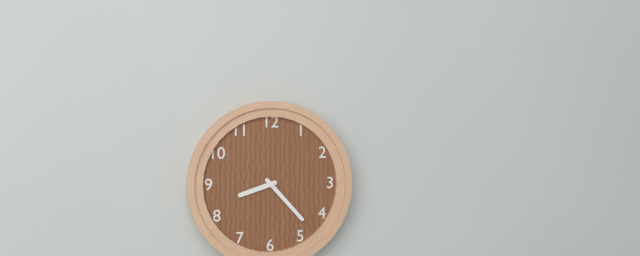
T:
8.23
